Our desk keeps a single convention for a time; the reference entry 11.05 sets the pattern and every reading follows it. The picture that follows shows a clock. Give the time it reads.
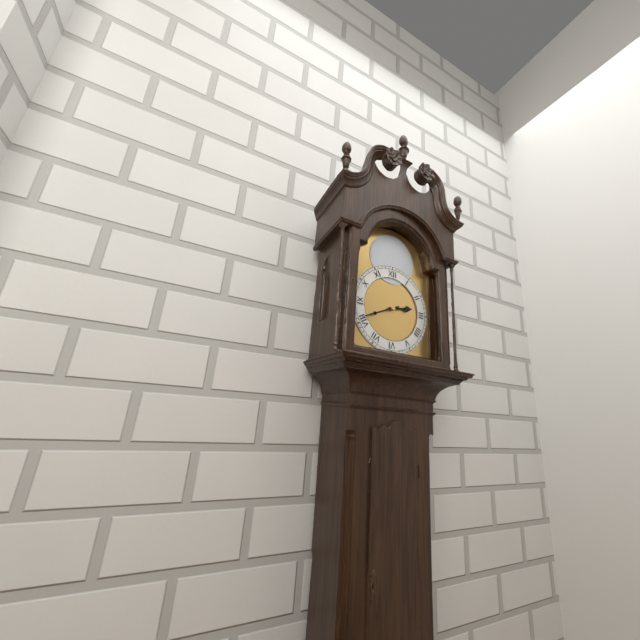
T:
2.41
